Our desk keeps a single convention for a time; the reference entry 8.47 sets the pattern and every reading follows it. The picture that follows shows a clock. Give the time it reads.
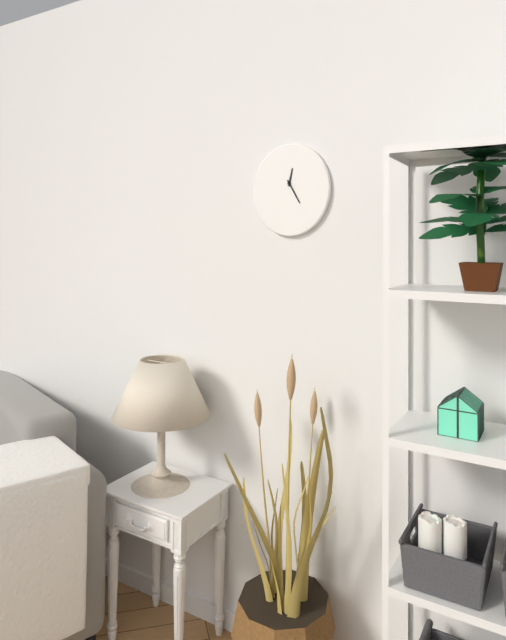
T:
12.25
